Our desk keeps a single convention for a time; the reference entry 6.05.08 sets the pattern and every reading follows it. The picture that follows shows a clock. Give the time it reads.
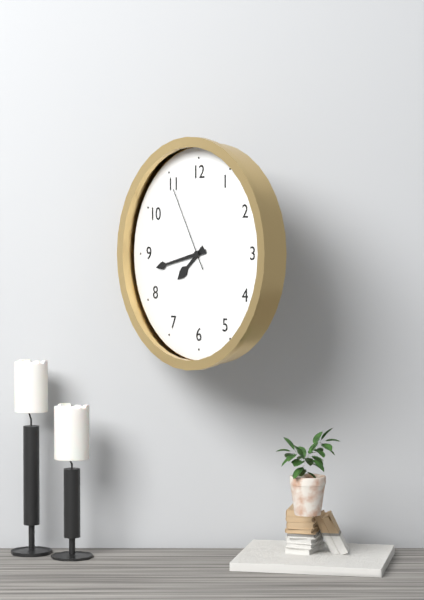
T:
7.43.55
